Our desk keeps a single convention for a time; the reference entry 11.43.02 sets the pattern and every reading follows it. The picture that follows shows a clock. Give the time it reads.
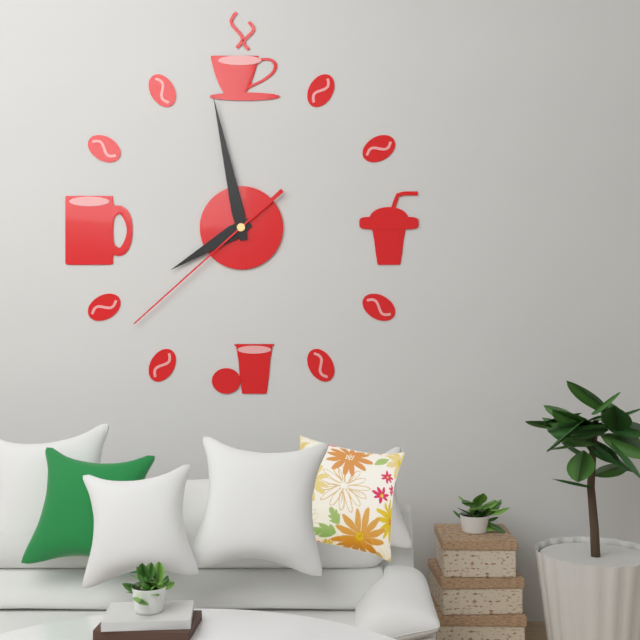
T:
7.58.38
